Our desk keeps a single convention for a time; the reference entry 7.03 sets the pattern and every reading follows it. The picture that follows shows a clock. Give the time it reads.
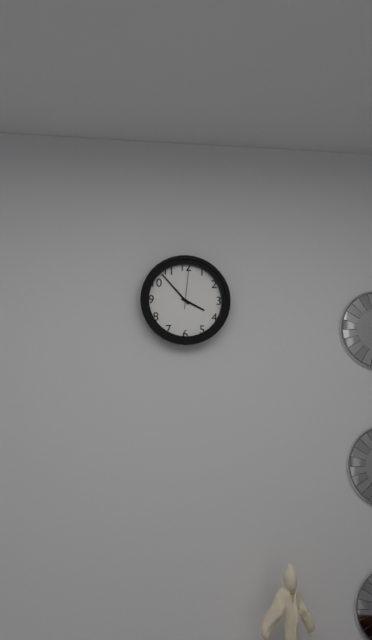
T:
3.53
